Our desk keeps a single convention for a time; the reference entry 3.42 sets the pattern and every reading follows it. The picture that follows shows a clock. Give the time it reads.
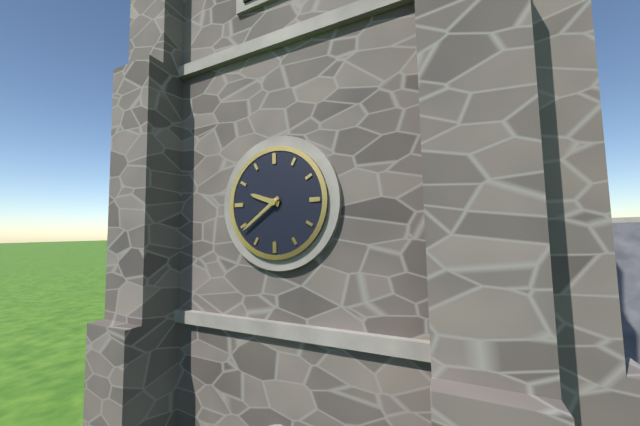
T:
9.39
